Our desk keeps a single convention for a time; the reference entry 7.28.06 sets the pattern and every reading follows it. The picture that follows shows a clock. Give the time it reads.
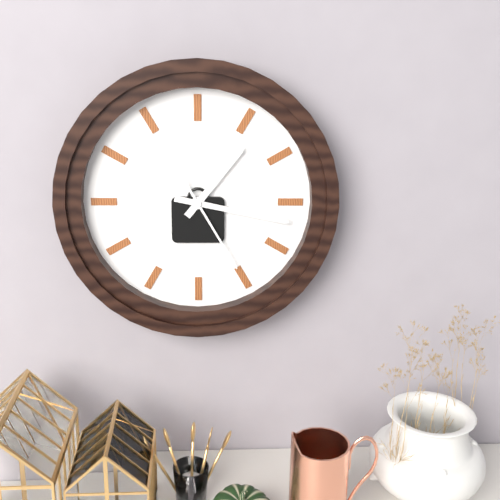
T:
1.17.25
